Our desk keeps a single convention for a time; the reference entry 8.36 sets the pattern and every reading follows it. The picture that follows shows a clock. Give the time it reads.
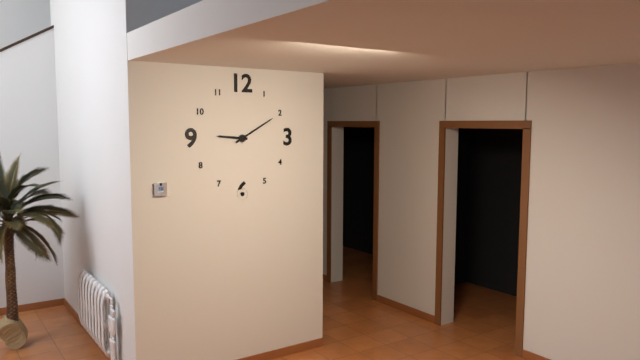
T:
9.10
